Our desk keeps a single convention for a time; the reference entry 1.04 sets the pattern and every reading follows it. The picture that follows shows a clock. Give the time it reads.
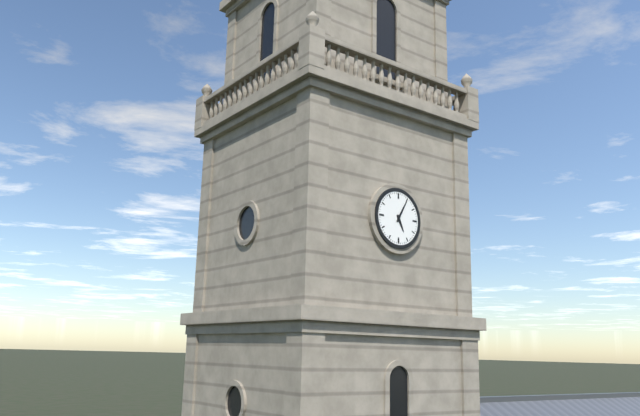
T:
5.05
